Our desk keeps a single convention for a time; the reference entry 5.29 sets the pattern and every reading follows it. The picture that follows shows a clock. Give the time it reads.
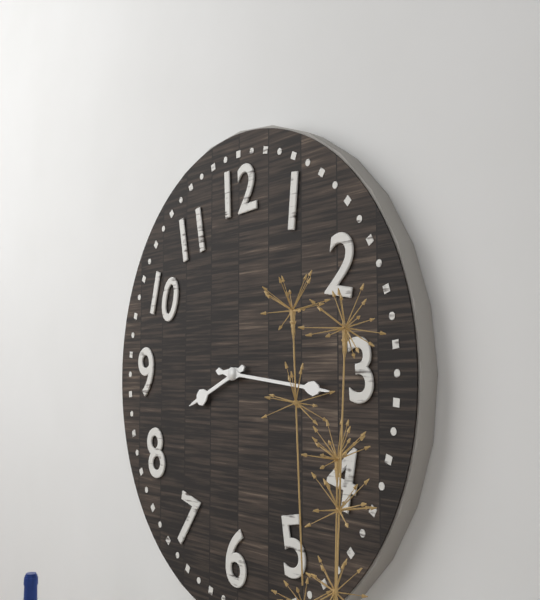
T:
8.16
